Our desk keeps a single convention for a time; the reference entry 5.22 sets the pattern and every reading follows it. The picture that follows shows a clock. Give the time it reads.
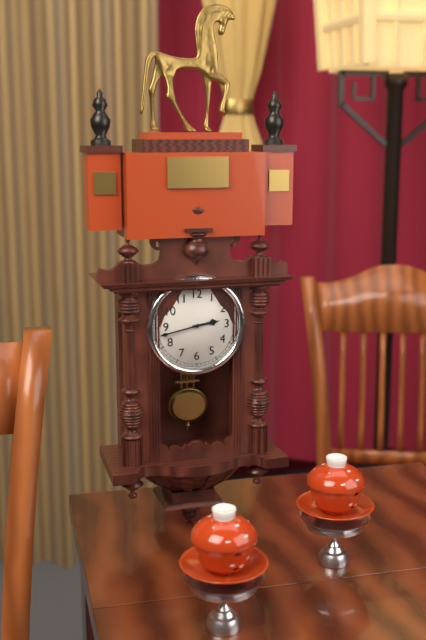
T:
2.43
